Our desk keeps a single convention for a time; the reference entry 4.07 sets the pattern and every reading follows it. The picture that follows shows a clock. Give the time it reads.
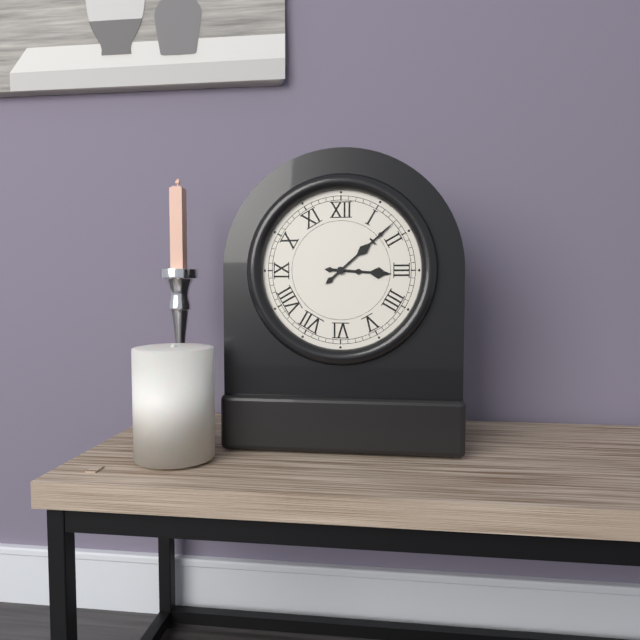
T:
3.08
